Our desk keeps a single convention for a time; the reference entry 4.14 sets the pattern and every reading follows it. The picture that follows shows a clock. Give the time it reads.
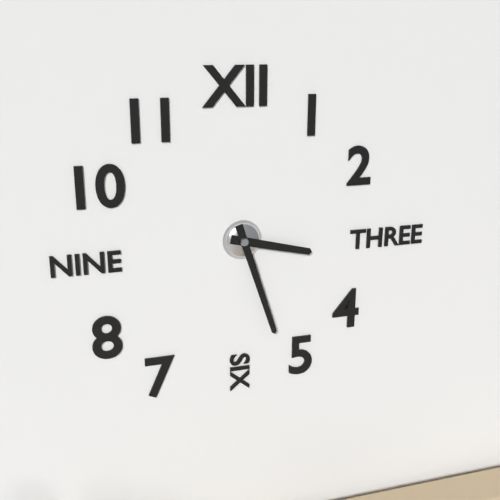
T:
3.27
